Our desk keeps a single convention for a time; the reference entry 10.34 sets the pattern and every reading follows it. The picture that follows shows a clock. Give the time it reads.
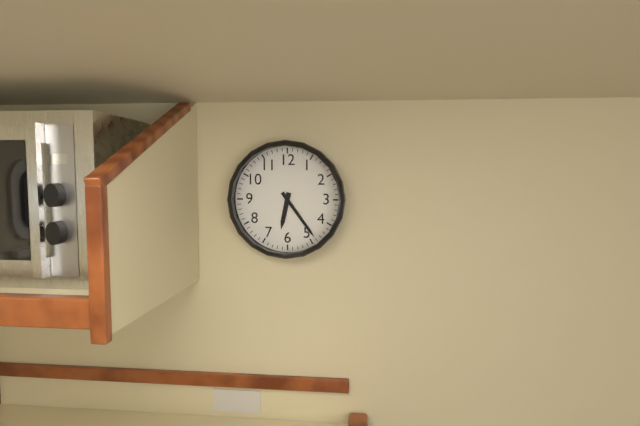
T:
6.24
